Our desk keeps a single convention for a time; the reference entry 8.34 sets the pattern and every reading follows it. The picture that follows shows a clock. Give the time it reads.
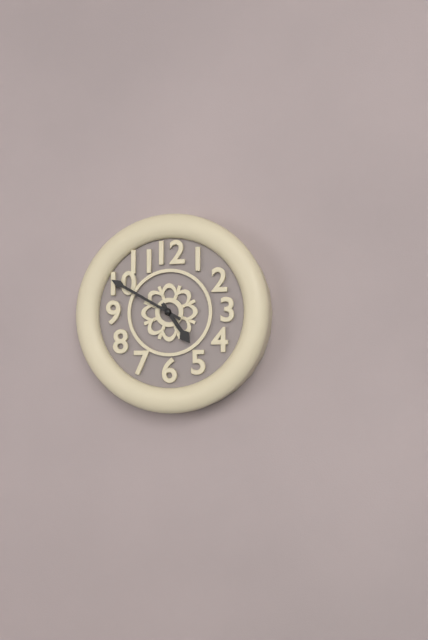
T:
4.50
